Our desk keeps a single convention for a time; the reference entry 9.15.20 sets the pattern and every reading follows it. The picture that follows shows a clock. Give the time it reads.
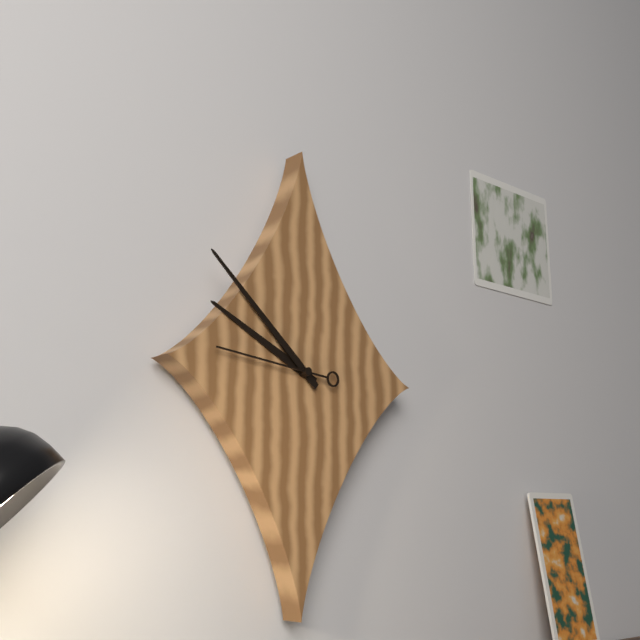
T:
9.52.46
